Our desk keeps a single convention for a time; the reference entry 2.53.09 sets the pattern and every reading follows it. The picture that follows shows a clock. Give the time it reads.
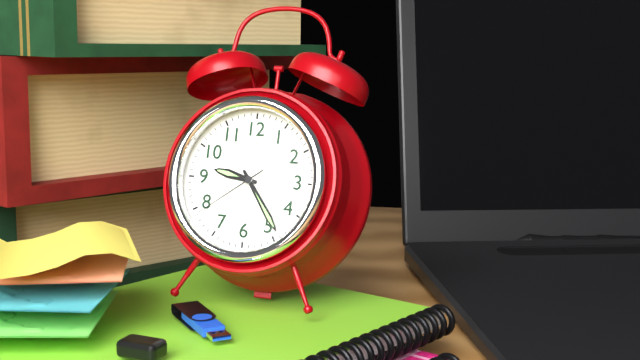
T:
9.24.39
